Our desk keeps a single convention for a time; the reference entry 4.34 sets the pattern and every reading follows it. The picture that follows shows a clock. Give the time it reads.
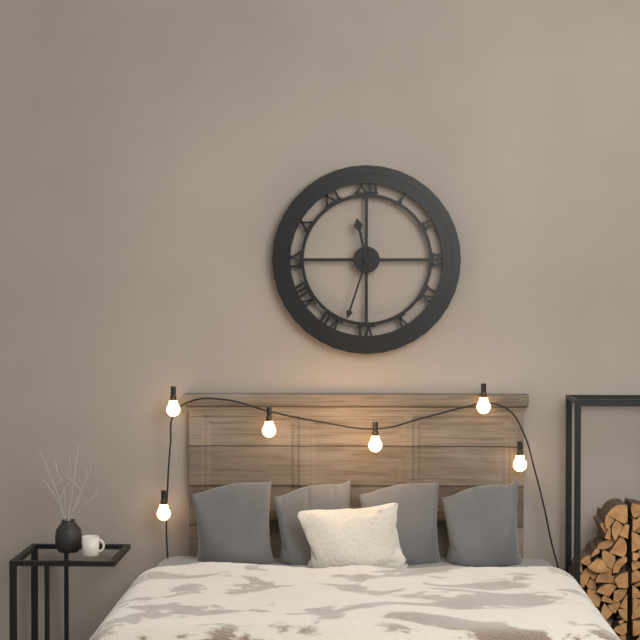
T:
11.33
